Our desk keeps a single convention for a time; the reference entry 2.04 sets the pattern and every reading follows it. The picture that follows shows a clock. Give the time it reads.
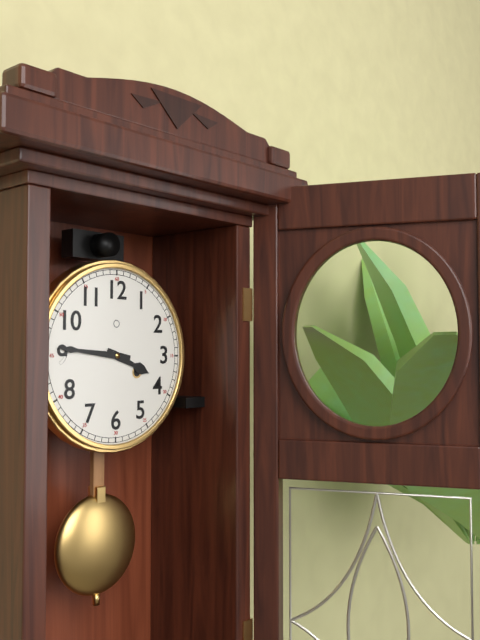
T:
3.46
